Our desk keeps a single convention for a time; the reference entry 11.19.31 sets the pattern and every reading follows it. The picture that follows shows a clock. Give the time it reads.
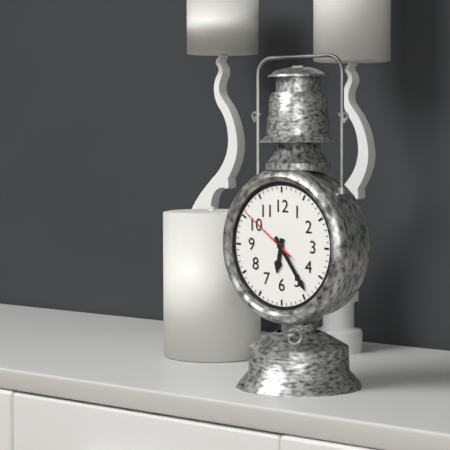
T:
6.24.51
